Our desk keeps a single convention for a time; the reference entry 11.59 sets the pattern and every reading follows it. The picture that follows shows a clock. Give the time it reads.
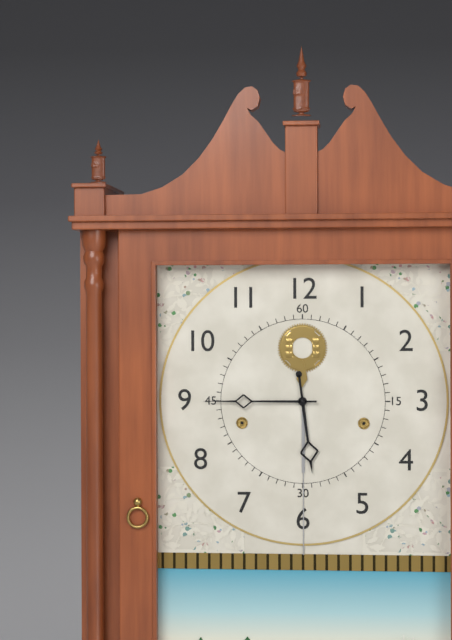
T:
5.45
